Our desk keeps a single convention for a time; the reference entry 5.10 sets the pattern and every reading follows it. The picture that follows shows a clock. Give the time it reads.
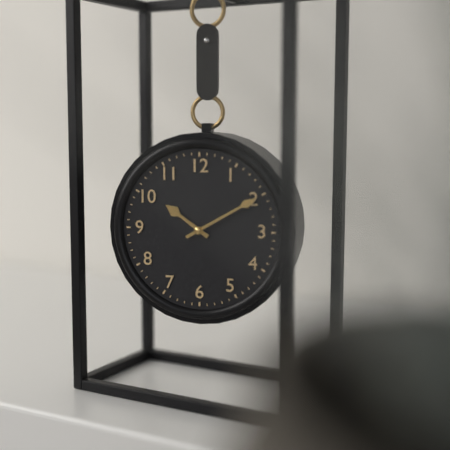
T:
10.10
